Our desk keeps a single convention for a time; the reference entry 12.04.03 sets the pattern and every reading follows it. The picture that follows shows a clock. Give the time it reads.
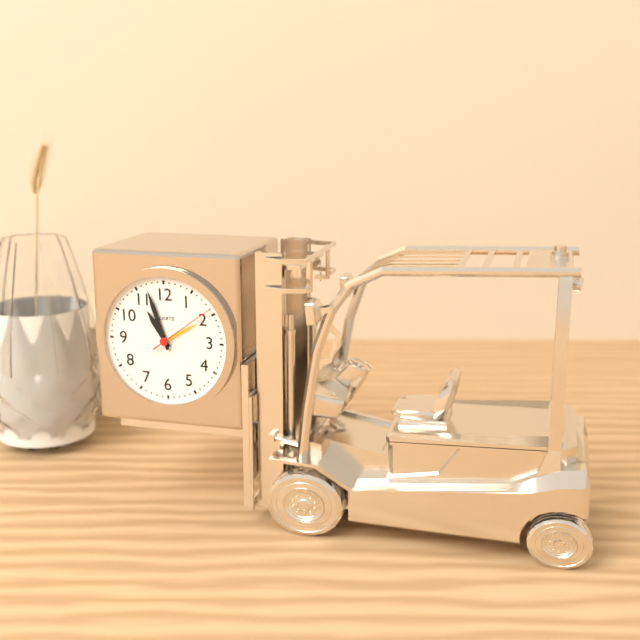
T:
10.57.09
